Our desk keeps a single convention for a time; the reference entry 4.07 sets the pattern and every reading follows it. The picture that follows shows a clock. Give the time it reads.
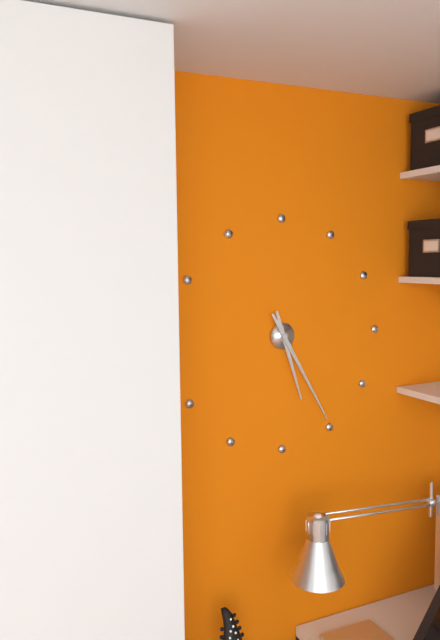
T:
5.25
